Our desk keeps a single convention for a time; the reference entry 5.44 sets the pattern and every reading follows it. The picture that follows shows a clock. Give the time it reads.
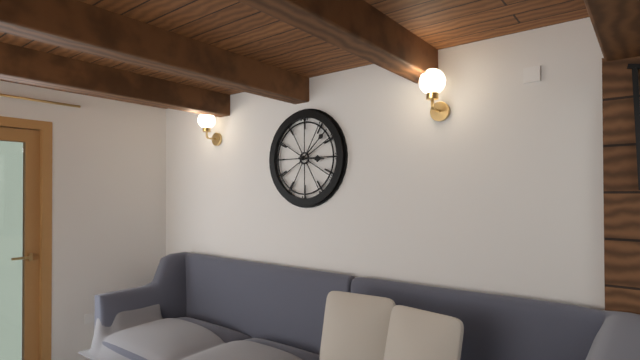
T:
3.08
